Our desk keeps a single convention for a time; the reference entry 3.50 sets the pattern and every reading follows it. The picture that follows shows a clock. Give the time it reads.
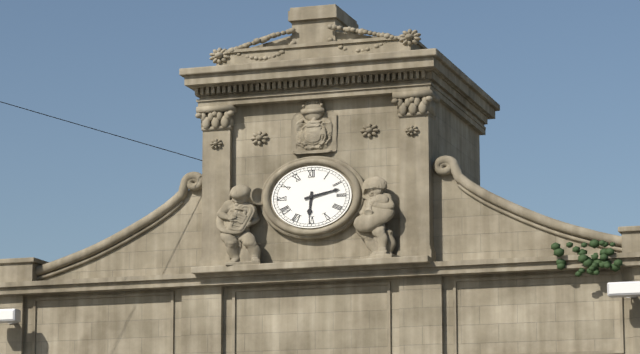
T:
6.13
